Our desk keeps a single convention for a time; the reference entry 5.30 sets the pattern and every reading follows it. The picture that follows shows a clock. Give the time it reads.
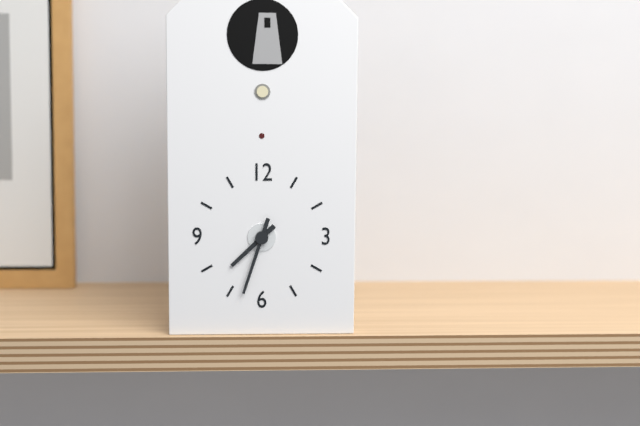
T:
7.33
